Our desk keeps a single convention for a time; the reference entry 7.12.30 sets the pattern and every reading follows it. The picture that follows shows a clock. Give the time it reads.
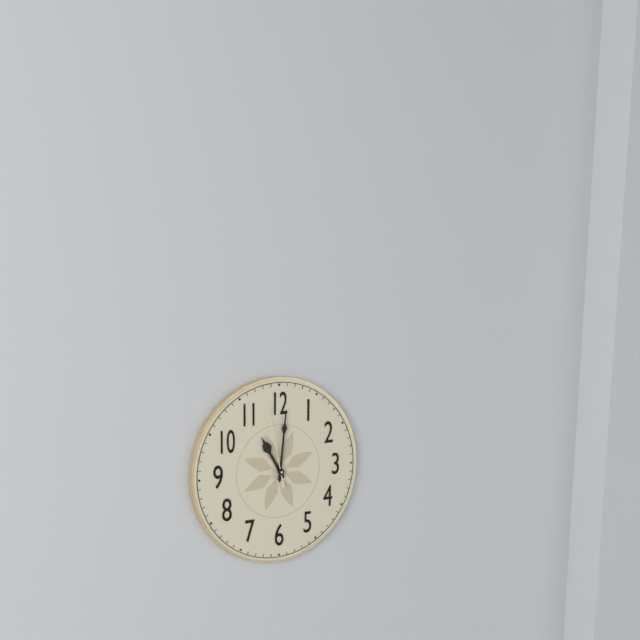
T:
11.01.58
